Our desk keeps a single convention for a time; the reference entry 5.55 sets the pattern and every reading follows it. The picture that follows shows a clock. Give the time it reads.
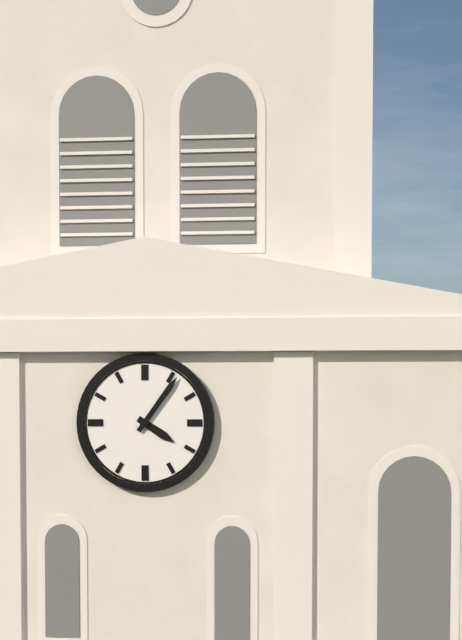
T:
4.06
